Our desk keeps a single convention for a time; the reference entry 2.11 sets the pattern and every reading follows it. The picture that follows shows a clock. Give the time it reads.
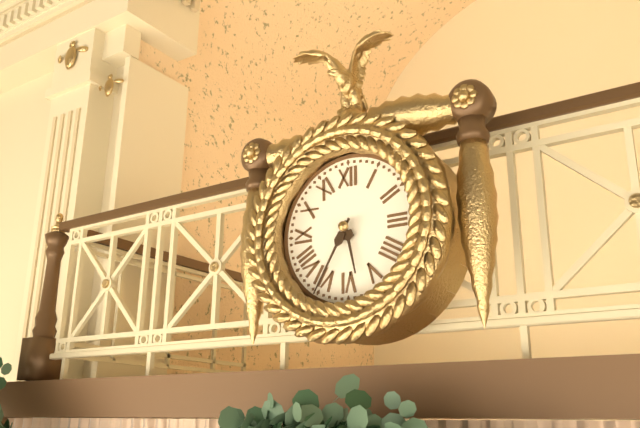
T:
5.35
